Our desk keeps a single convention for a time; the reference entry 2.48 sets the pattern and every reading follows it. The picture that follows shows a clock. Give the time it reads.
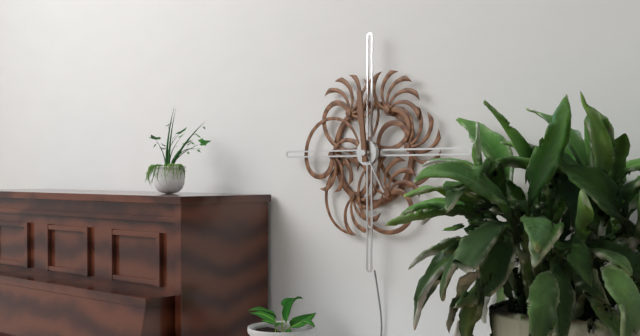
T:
4.59
